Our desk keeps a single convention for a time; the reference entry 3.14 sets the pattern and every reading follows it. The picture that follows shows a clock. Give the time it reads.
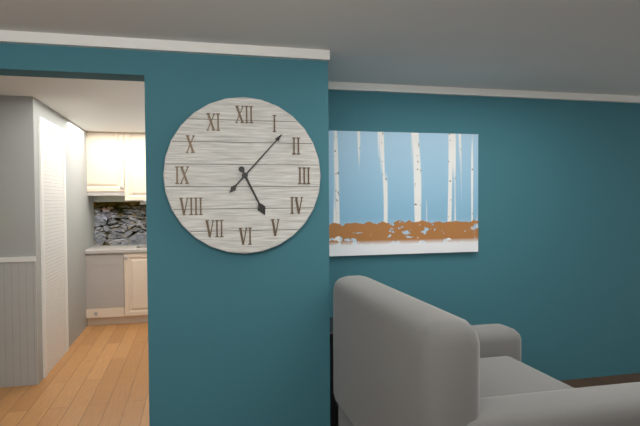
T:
5.07
